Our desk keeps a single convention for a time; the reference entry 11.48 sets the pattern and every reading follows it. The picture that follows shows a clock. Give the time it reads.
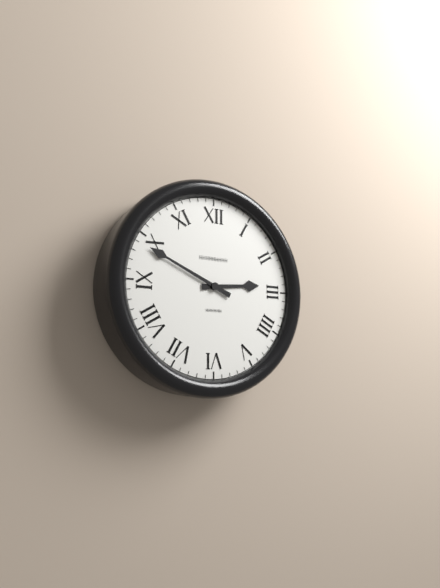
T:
2.49
